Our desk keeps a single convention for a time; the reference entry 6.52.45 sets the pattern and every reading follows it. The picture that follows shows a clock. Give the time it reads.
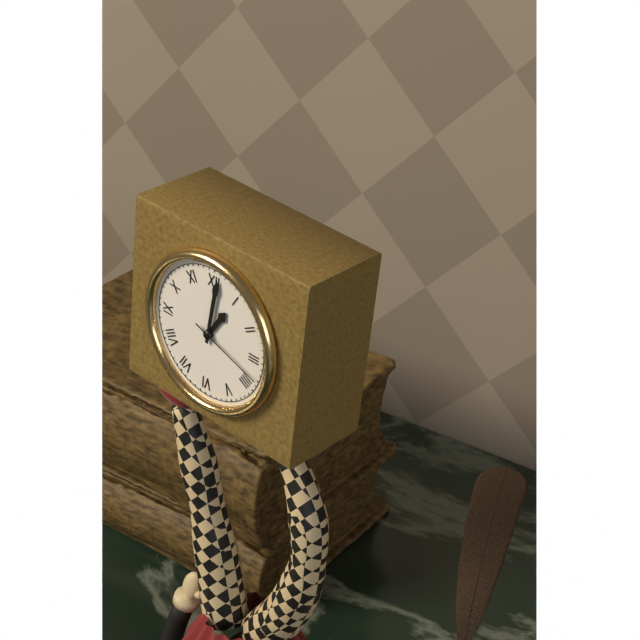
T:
1.01.18
